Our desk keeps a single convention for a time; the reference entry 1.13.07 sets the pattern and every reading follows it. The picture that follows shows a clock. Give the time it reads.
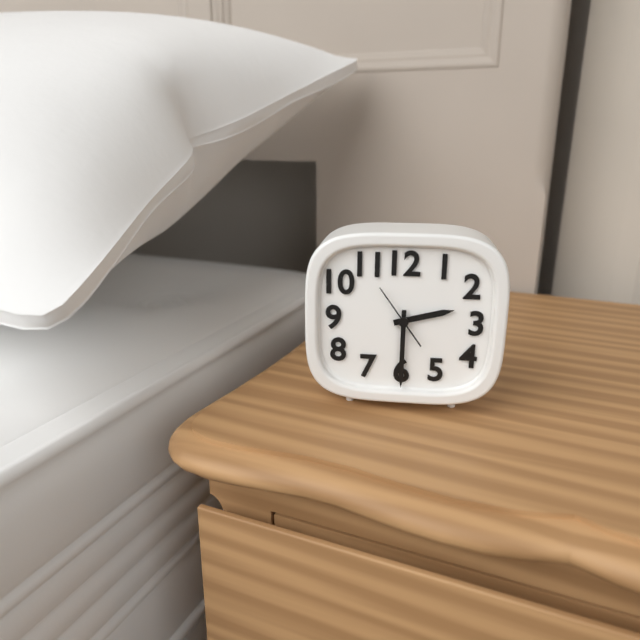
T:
2.30.54
